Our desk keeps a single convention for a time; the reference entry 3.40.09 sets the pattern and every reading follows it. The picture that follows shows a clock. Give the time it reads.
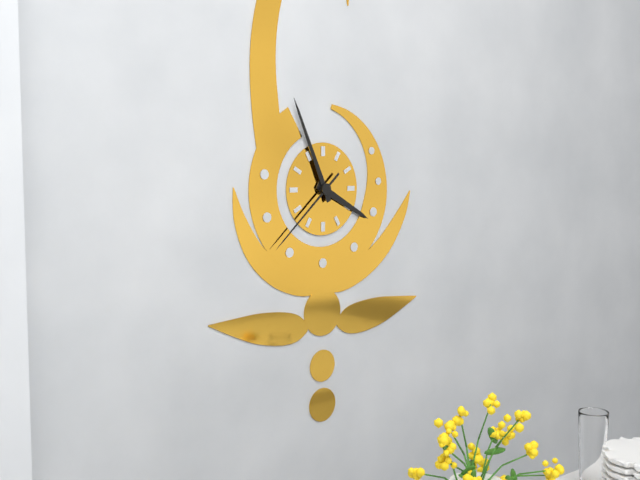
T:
3.56.38
